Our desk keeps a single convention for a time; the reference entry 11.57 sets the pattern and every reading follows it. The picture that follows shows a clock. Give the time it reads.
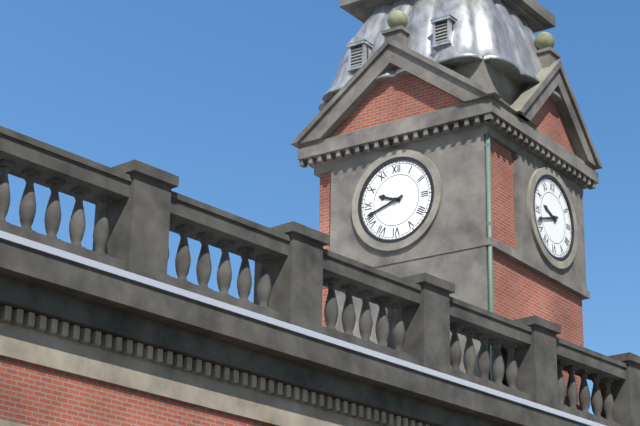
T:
9.42
